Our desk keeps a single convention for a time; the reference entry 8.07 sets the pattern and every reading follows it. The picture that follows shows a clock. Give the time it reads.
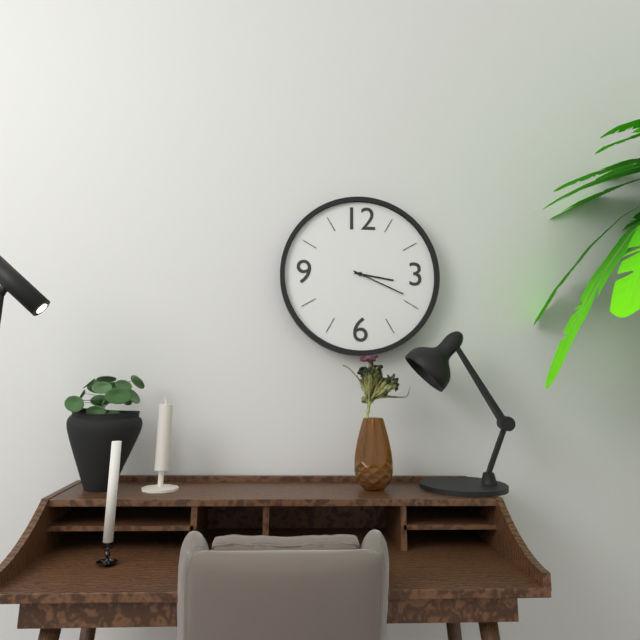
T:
3.19
